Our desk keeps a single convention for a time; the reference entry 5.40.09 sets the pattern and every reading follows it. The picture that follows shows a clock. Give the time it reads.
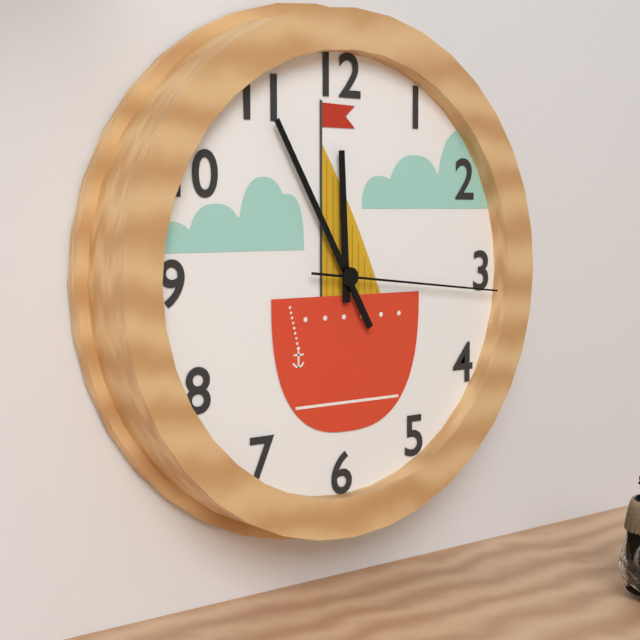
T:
11.55.16
